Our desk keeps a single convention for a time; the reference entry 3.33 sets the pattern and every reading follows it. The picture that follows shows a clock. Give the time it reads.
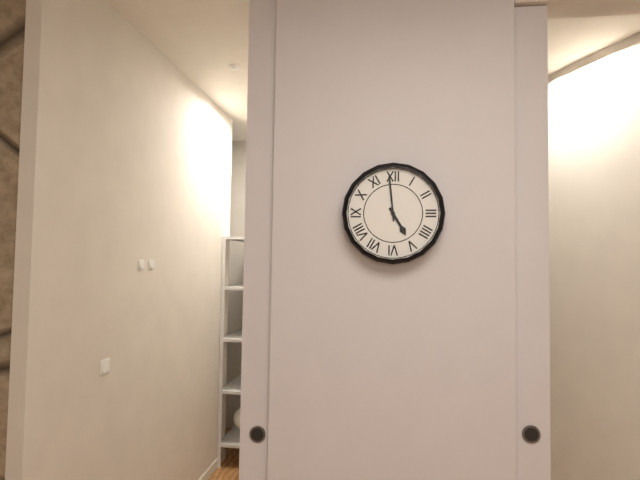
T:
4.59
